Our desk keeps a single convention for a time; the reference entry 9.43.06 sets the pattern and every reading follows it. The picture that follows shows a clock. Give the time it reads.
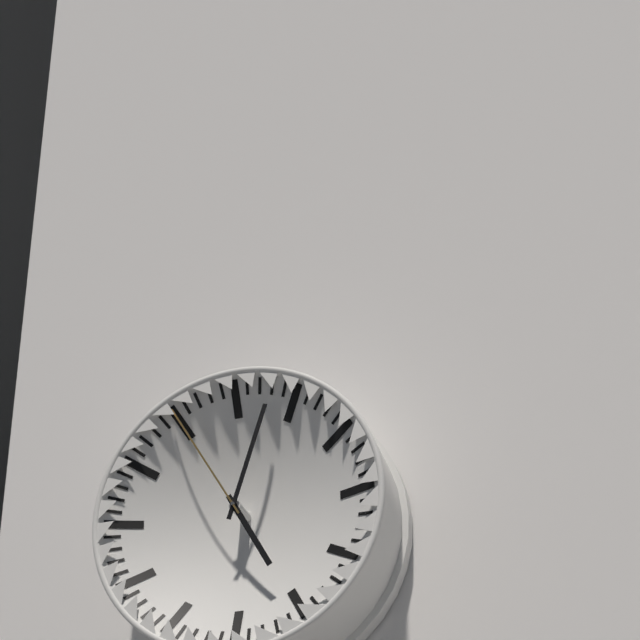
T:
5.03.55
